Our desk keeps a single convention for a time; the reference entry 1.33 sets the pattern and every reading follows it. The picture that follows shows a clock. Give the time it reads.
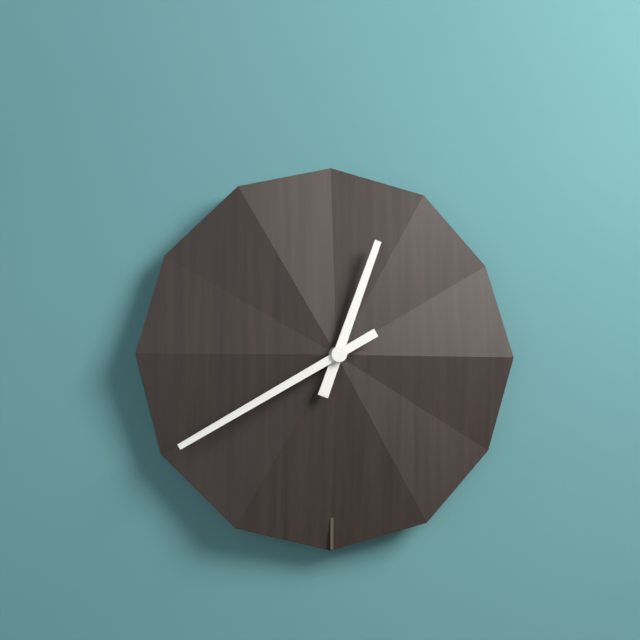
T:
12.40
